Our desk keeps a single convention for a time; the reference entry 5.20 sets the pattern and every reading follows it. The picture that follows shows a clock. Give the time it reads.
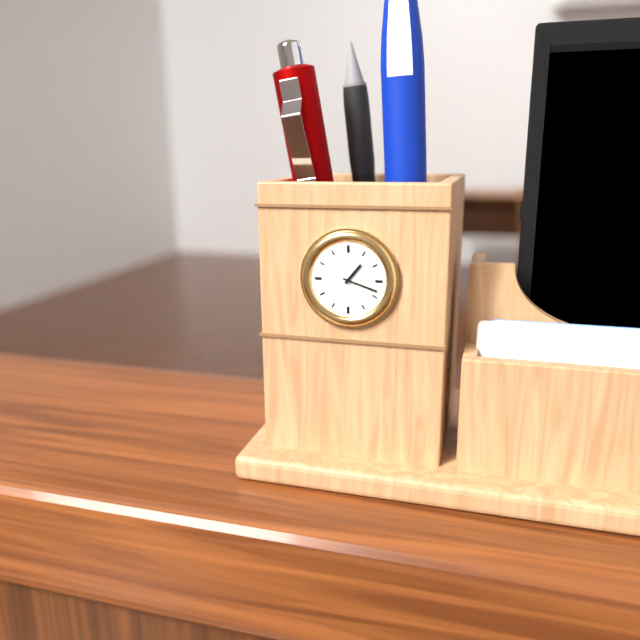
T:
1.18
